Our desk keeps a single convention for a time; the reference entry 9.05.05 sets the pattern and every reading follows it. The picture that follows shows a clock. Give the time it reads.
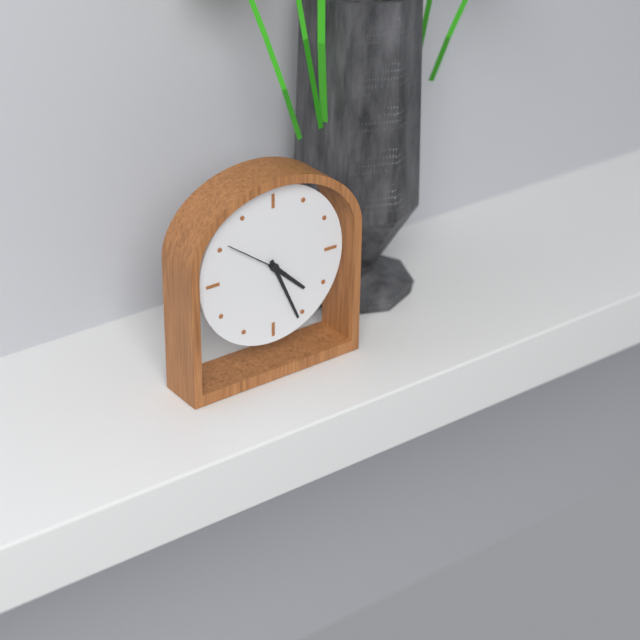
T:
4.26.51
